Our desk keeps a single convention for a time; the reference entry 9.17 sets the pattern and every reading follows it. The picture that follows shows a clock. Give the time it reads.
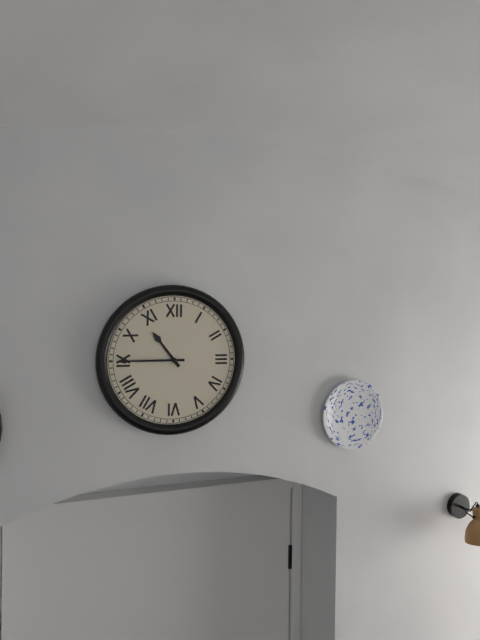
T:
10.45
